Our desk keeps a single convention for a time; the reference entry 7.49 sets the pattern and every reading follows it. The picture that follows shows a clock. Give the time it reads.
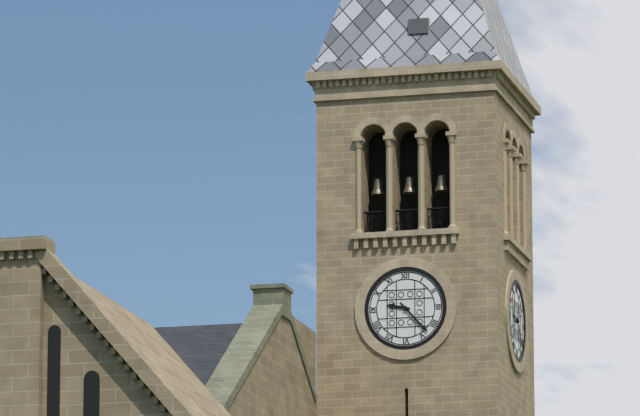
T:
9.23
